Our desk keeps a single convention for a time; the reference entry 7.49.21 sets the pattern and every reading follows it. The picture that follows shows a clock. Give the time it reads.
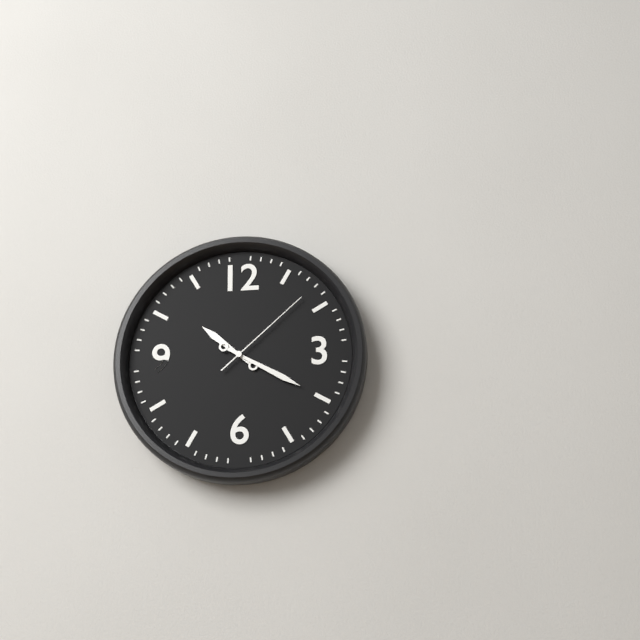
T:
10.20.08
